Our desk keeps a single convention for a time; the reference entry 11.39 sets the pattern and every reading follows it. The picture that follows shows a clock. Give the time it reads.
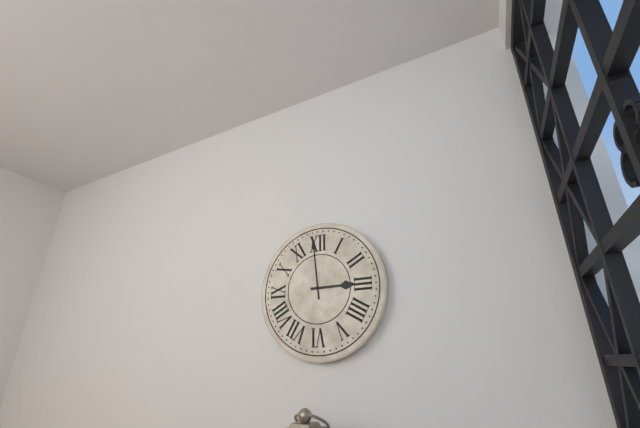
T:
2.59
